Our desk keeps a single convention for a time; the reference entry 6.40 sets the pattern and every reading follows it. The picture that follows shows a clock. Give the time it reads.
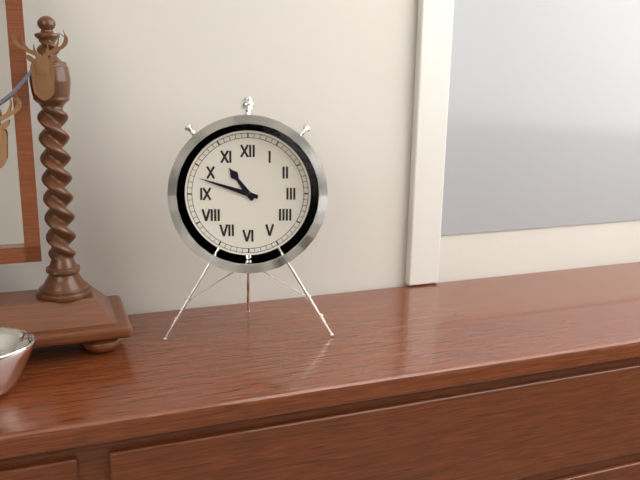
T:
10.48
